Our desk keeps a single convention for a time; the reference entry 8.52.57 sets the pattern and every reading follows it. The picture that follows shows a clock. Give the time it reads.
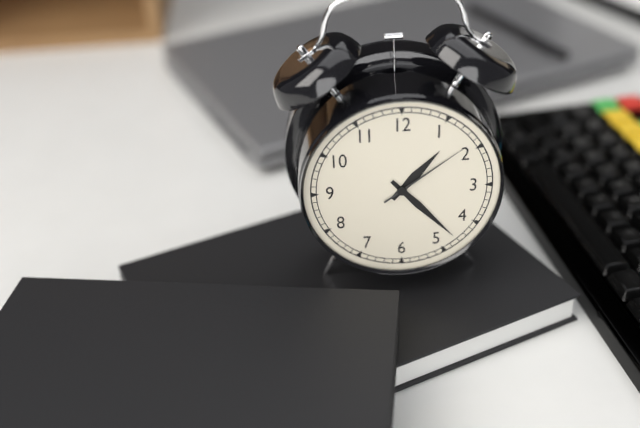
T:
1.23.09
